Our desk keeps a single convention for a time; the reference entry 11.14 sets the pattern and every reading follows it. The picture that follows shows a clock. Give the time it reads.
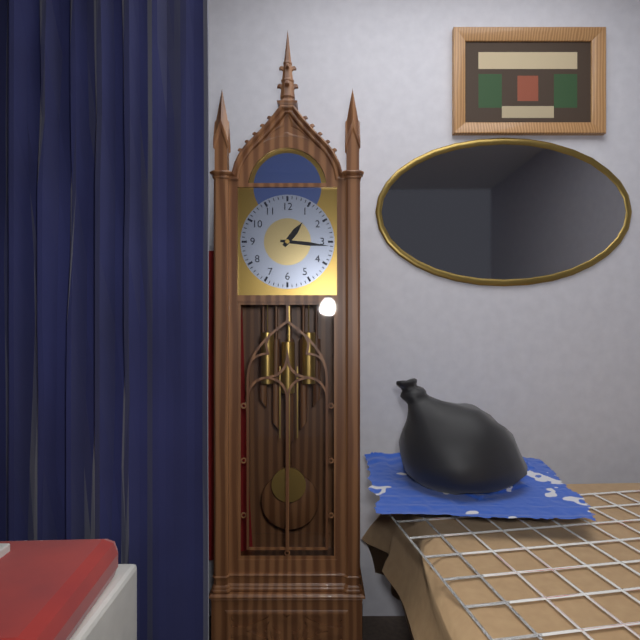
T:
1.16
